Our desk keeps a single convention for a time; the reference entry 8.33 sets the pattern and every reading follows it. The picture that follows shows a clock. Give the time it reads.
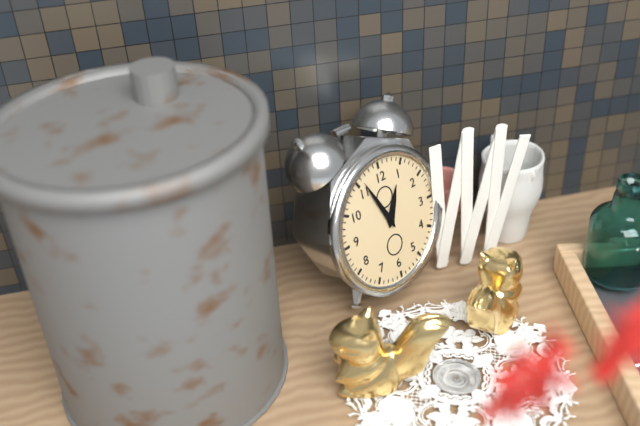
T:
12.56
